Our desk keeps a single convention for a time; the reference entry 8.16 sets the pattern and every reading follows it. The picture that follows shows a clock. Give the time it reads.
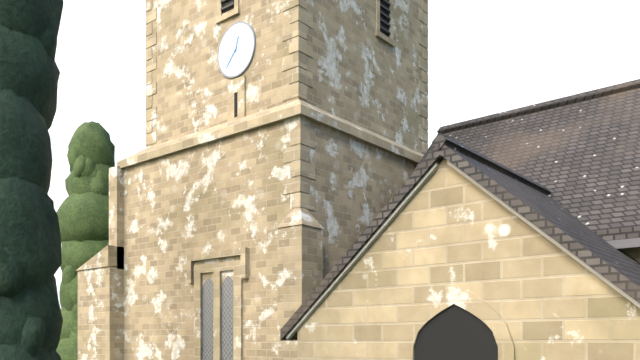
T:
12.37
